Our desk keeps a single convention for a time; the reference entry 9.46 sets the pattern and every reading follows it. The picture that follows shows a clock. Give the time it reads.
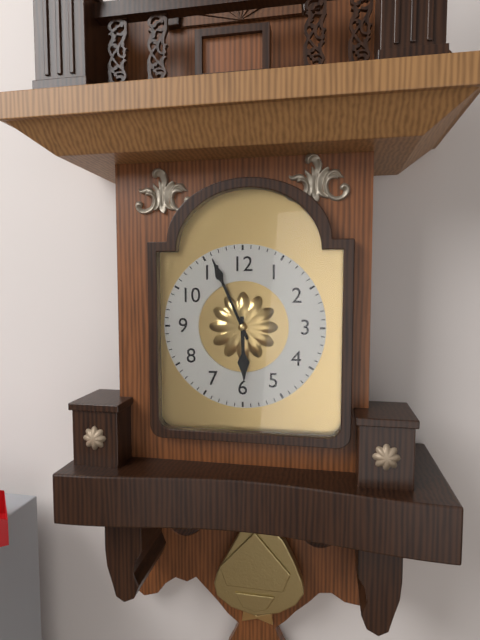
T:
5.56
